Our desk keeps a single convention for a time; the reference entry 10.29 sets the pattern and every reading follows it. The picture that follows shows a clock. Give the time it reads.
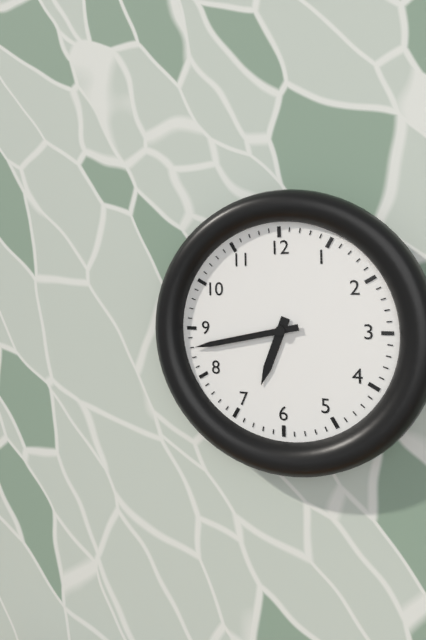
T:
6.43
